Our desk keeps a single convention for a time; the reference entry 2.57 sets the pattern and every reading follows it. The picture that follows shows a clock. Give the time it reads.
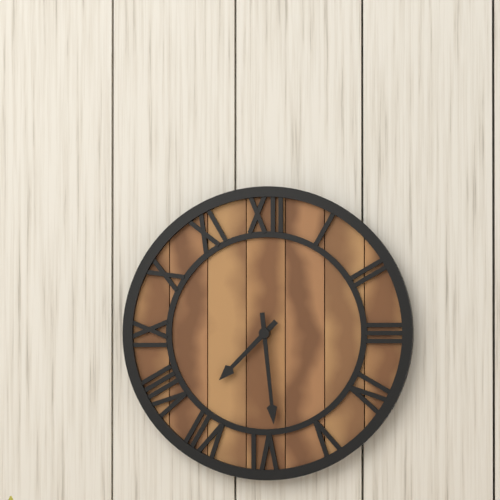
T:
7.29
